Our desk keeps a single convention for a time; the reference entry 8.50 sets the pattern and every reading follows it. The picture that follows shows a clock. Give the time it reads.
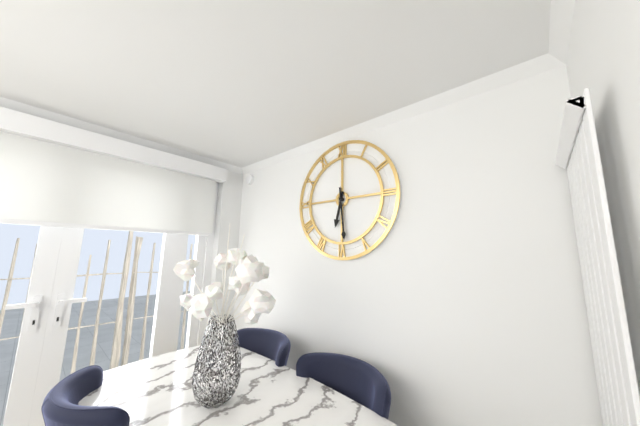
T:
6.29
